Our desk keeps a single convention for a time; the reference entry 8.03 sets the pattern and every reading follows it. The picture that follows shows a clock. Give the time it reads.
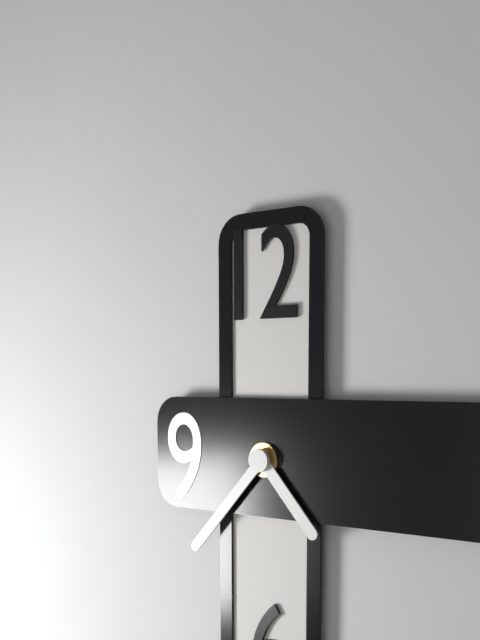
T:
4.37
